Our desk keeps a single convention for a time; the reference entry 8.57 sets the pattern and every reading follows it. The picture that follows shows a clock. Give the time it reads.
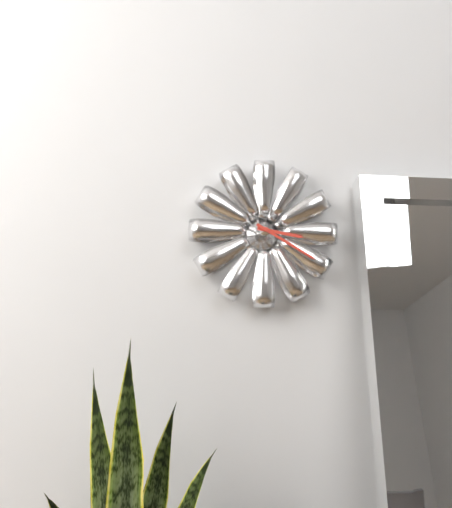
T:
3.20
